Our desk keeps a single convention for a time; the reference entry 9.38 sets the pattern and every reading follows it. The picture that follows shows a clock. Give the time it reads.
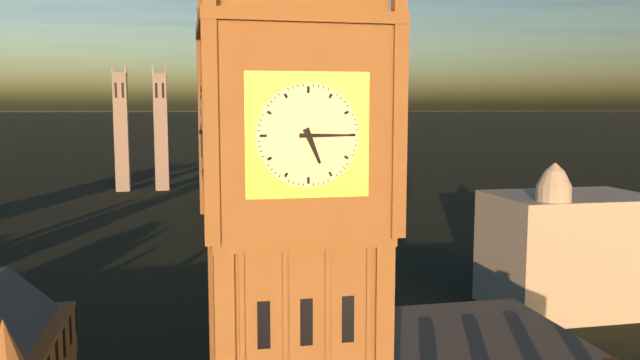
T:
5.15
